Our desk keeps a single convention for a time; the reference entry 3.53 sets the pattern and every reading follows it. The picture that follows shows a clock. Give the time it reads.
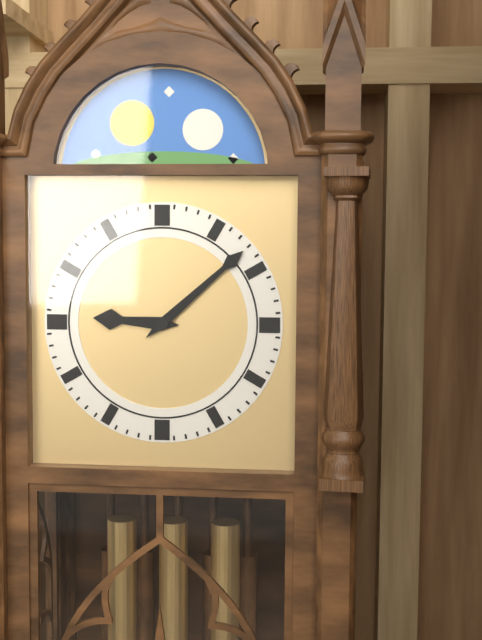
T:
9.08
